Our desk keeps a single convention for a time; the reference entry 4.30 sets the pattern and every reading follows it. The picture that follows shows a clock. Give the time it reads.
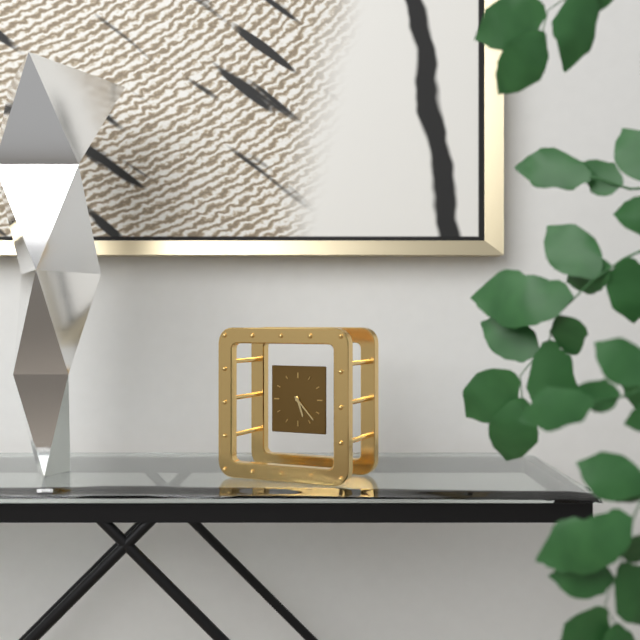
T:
5.23
